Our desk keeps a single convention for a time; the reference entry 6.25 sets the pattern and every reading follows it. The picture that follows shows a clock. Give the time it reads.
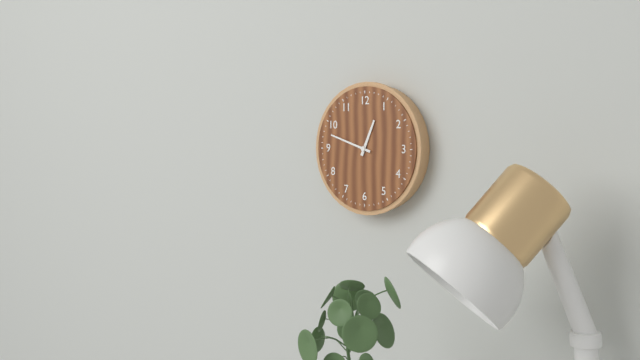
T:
12.48
